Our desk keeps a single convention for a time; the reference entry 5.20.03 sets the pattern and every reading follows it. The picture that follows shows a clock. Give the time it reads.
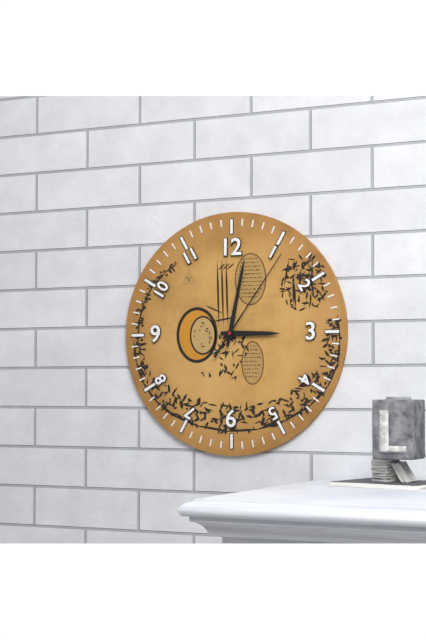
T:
3.02.06
